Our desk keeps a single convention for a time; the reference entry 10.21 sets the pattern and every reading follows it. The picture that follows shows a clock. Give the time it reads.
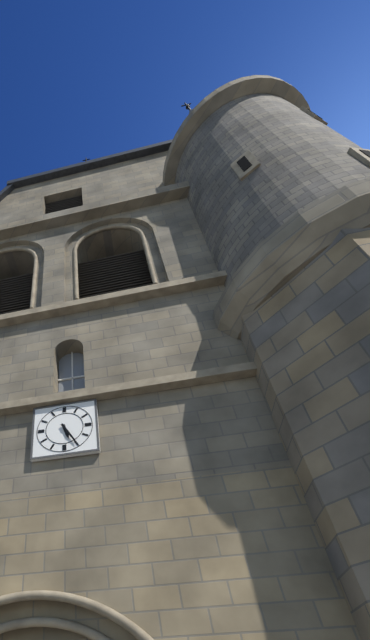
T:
5.25
